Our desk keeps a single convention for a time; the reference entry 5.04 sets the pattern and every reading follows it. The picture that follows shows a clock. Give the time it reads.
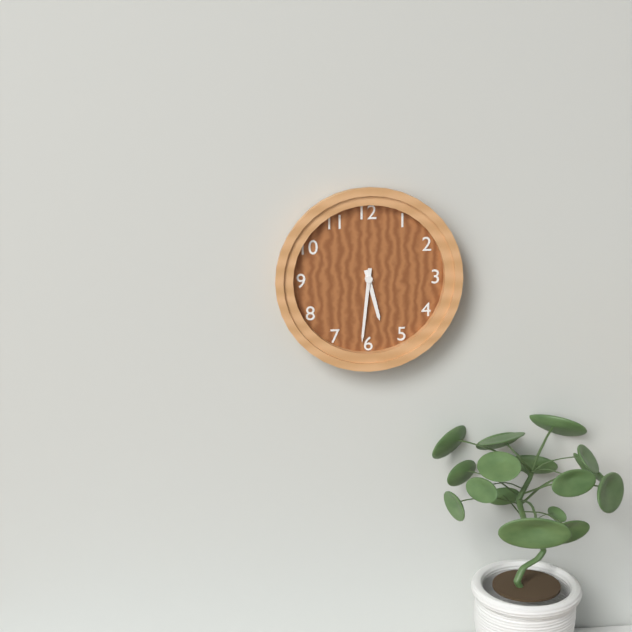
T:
5.31
